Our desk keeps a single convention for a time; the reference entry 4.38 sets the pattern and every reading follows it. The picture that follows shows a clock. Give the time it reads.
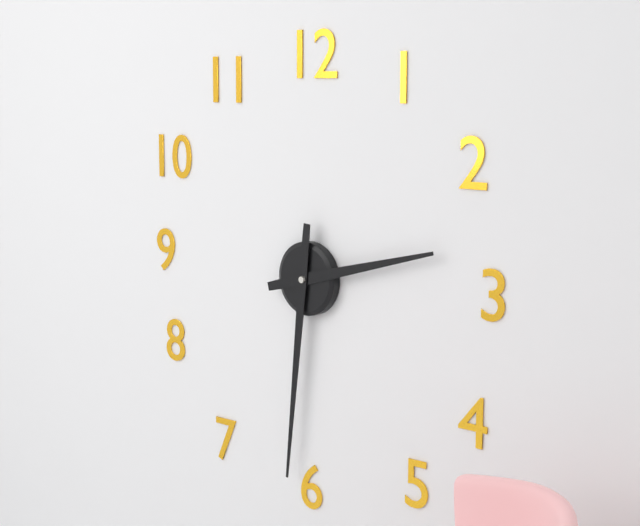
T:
2.31
